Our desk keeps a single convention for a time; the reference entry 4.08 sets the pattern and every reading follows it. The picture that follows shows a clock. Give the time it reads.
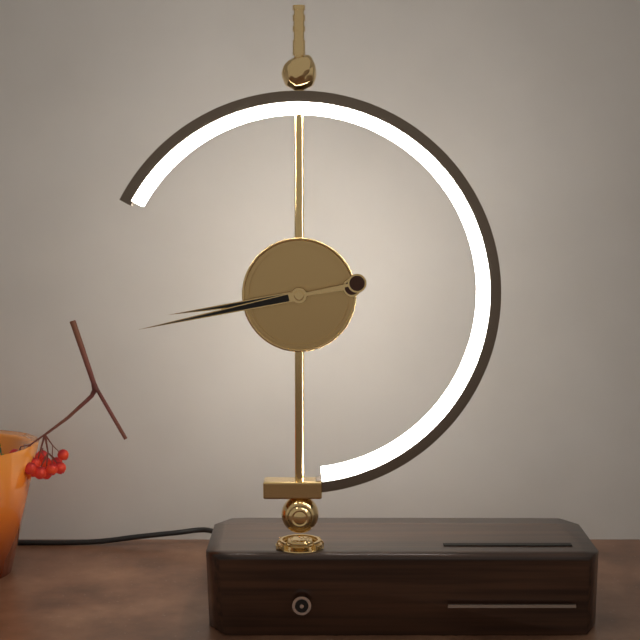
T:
8.43
